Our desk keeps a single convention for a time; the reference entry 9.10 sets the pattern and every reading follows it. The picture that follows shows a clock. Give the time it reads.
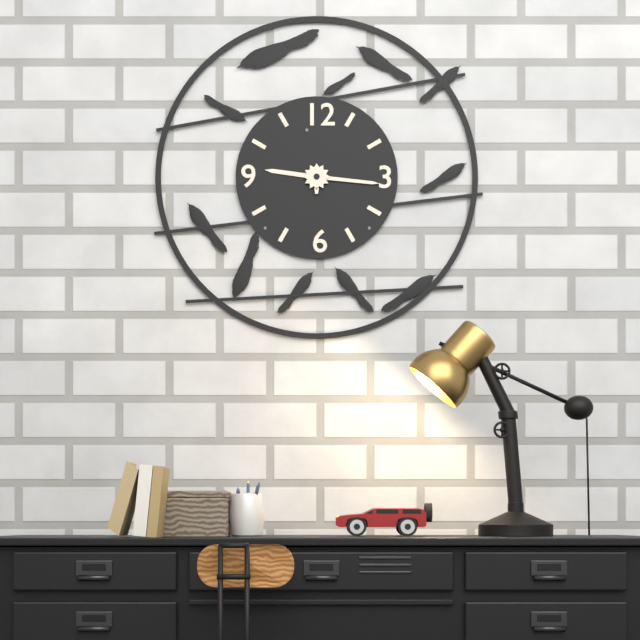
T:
9.16
